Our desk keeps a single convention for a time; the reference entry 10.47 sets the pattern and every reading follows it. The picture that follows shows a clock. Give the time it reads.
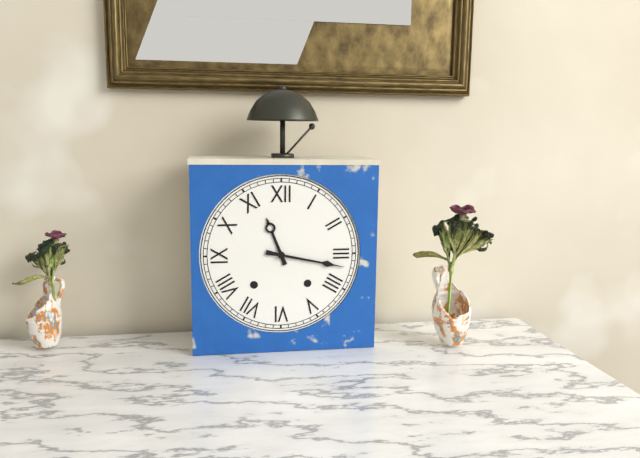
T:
11.17
